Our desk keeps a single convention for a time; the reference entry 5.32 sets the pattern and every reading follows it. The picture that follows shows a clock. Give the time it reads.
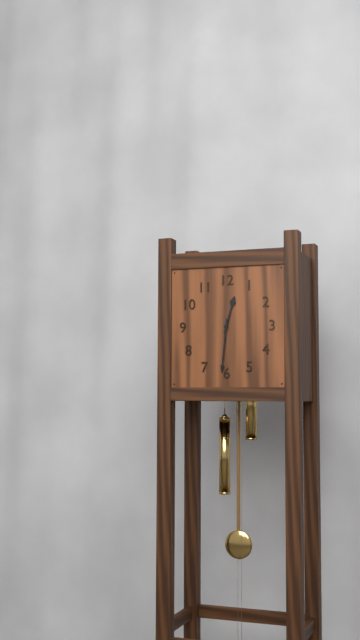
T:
12.31
